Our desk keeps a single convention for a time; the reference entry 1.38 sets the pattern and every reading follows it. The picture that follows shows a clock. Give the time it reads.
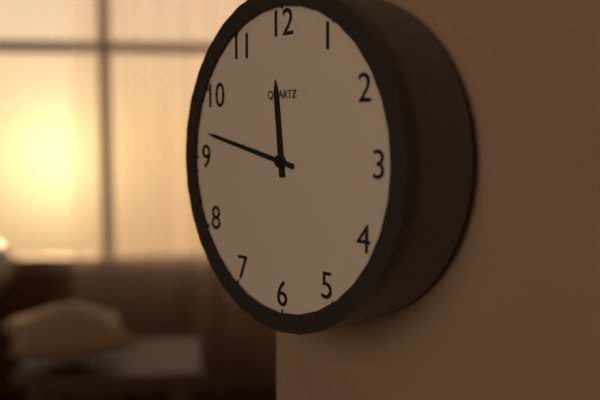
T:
11.47
